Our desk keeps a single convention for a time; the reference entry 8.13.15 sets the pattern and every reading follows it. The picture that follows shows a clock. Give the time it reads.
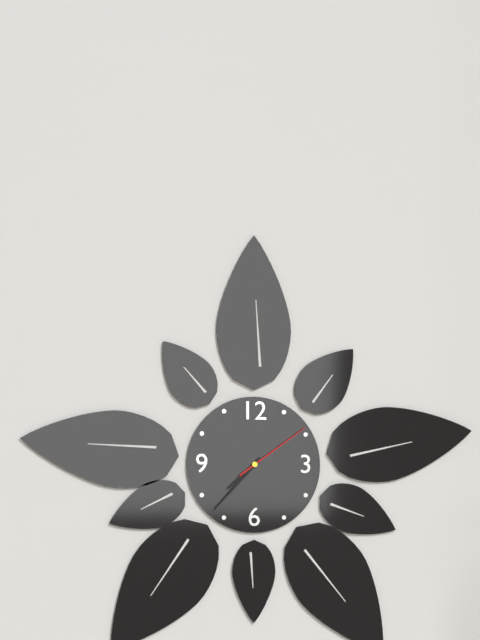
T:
7.37.09
